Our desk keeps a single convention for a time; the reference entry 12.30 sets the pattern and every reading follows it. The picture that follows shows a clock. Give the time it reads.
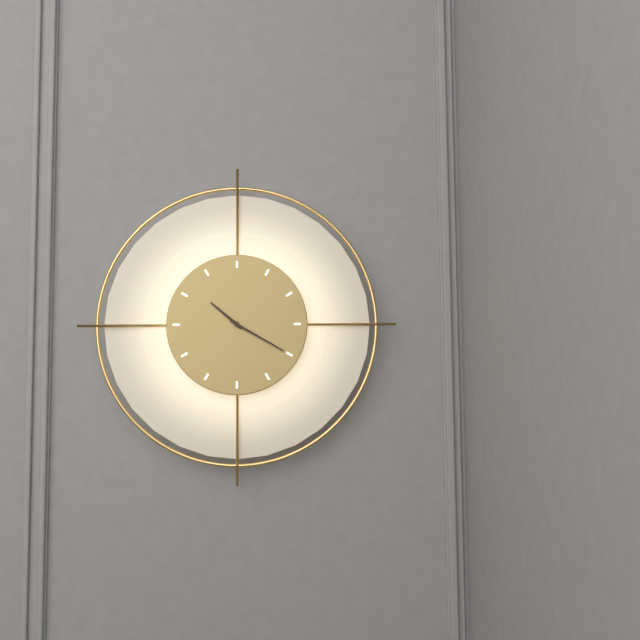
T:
10.20
